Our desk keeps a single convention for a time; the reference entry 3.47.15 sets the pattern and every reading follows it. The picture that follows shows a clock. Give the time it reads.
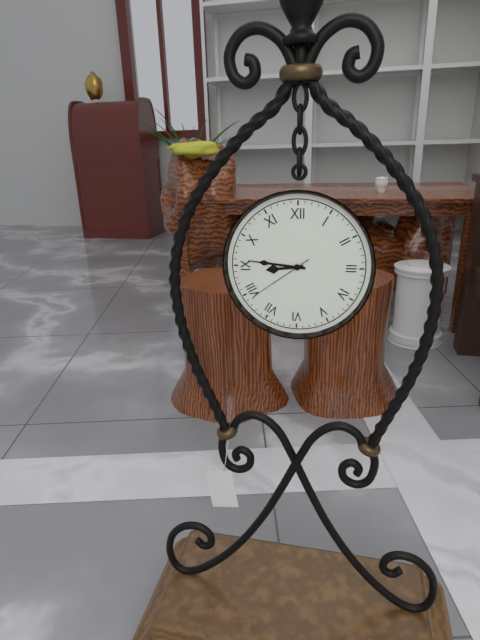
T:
8.46.39
